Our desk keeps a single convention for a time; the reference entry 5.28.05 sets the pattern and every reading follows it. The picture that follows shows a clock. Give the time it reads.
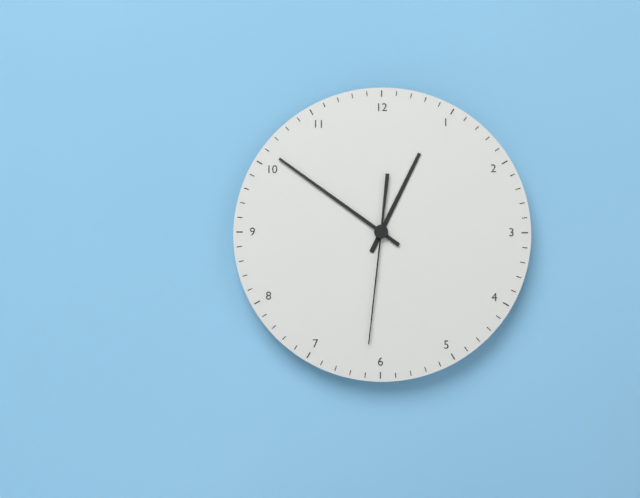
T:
12.51.31
